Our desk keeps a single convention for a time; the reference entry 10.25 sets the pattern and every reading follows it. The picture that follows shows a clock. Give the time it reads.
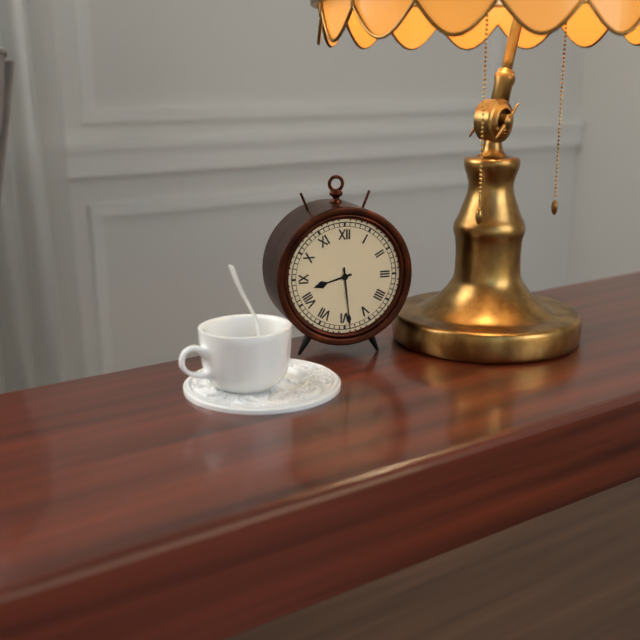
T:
8.29
